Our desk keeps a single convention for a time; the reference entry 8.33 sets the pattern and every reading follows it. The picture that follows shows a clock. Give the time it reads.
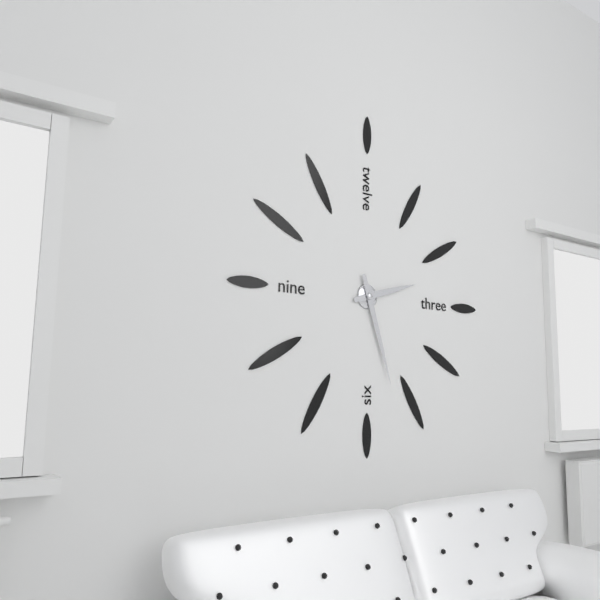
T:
2.27
